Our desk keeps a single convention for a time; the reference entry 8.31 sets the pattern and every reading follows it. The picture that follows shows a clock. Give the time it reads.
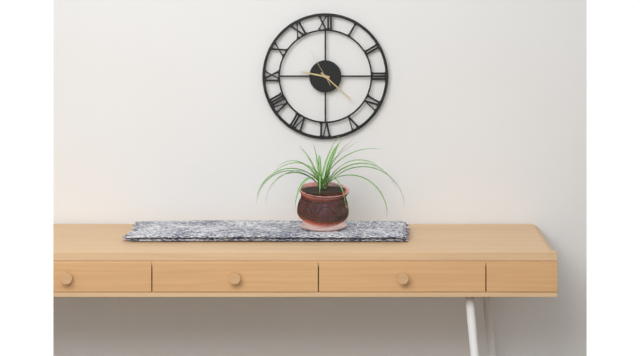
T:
9.22
